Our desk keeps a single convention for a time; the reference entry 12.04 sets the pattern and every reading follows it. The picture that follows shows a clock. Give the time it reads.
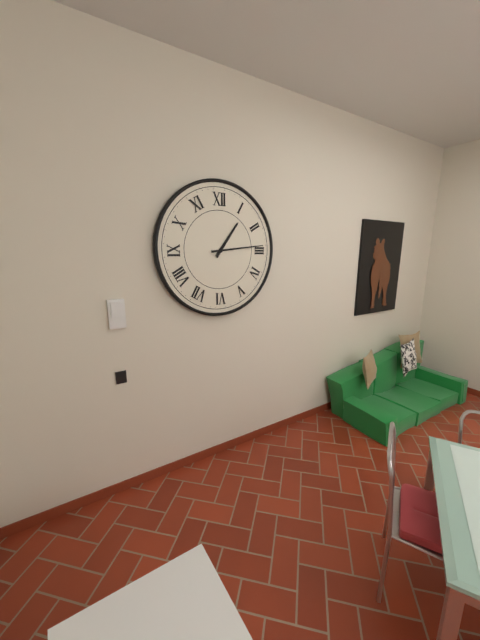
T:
1.14
